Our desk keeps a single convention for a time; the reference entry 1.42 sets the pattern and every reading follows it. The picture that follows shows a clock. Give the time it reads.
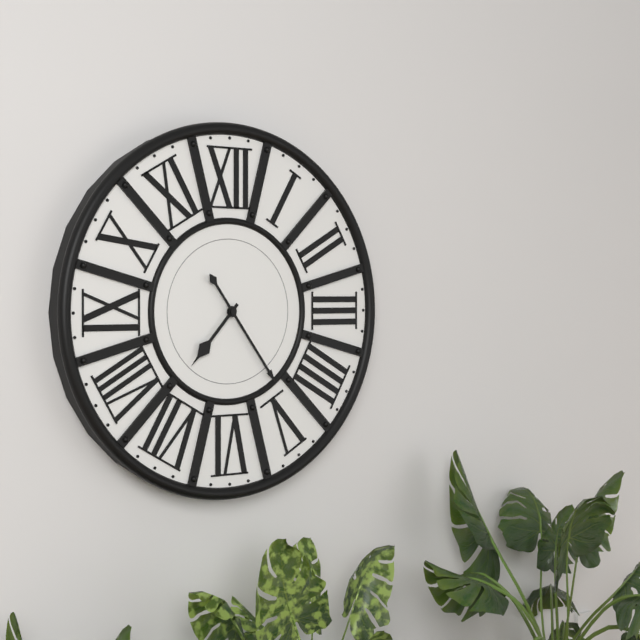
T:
7.24
